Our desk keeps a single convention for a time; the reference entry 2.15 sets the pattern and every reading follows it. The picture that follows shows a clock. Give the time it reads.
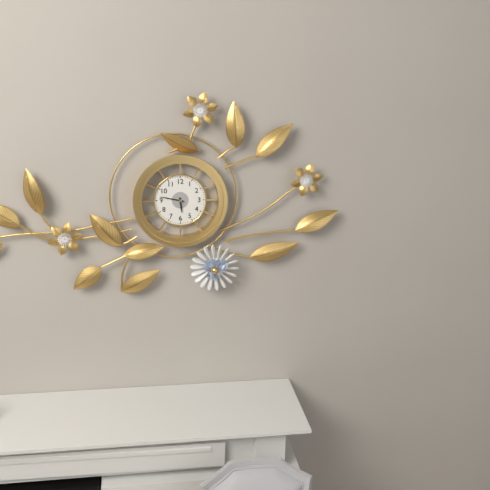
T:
5.47
